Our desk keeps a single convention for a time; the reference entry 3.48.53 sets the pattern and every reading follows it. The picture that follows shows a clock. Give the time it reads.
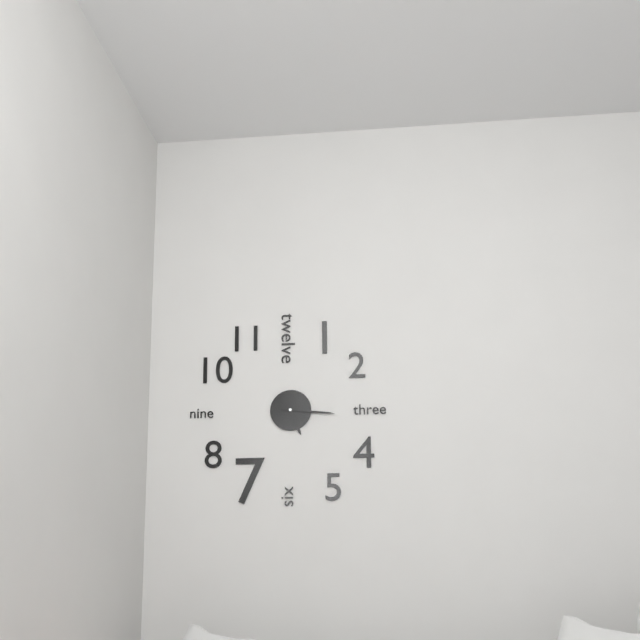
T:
5.16.16
